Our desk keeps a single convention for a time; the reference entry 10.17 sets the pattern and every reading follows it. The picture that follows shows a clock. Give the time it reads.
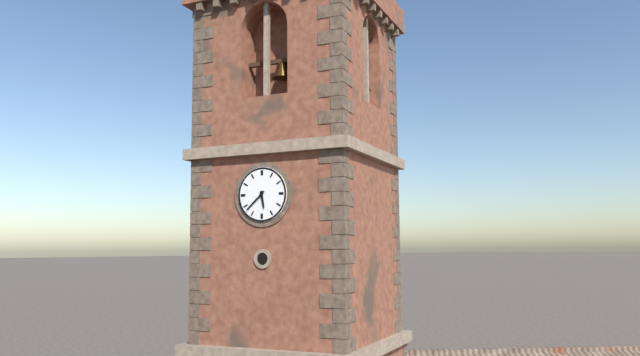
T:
5.38
